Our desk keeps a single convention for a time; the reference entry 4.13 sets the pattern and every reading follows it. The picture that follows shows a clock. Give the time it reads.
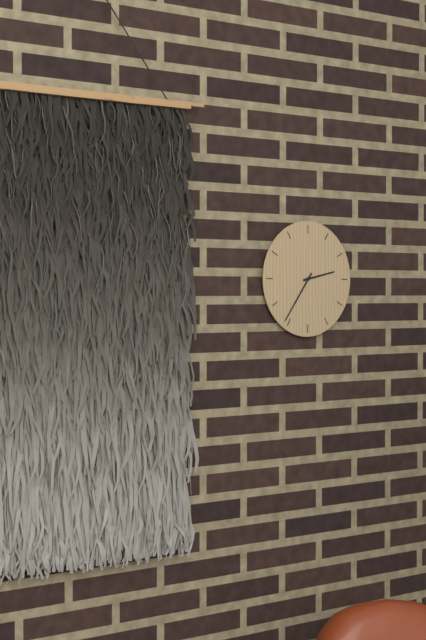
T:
2.36
